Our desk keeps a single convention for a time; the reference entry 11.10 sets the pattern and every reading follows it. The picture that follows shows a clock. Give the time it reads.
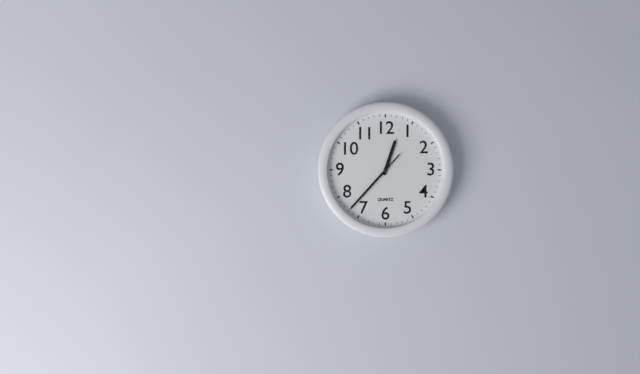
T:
12.37
